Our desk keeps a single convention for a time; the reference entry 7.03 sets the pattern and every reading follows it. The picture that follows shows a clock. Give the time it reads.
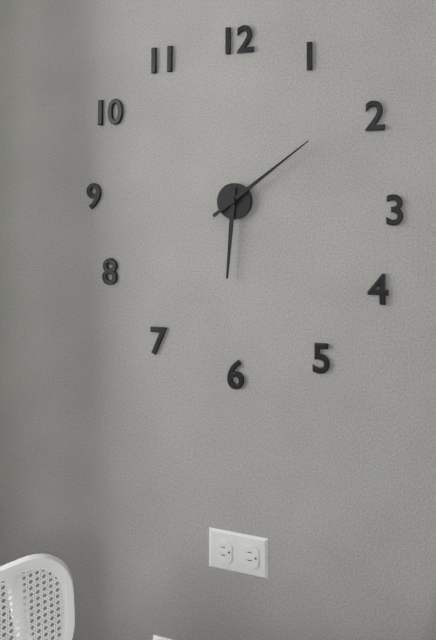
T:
6.09
